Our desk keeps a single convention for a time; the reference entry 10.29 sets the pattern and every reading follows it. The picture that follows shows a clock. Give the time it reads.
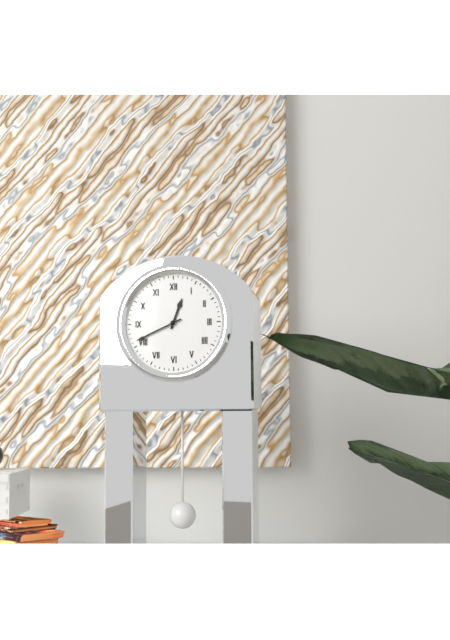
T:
12.41
